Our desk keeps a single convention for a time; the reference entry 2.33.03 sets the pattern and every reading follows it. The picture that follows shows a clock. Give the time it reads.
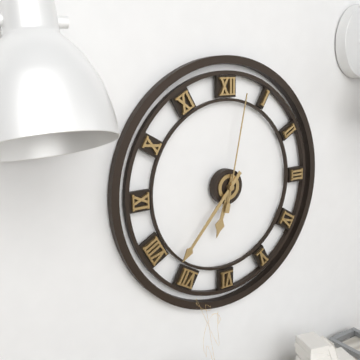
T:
6.37.02
